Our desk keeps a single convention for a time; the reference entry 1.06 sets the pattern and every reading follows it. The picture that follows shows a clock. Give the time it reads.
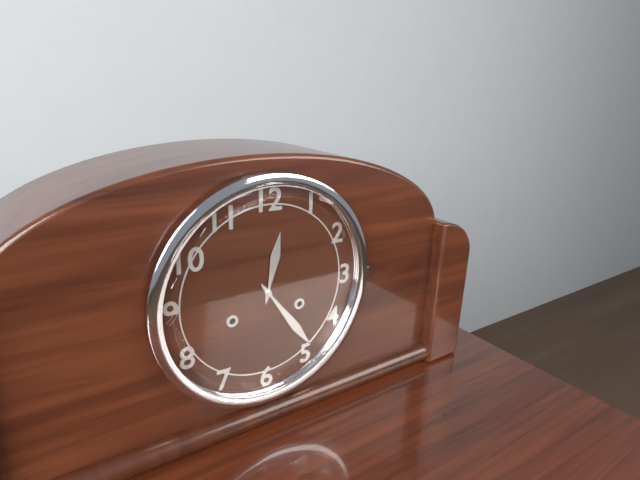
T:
12.24
